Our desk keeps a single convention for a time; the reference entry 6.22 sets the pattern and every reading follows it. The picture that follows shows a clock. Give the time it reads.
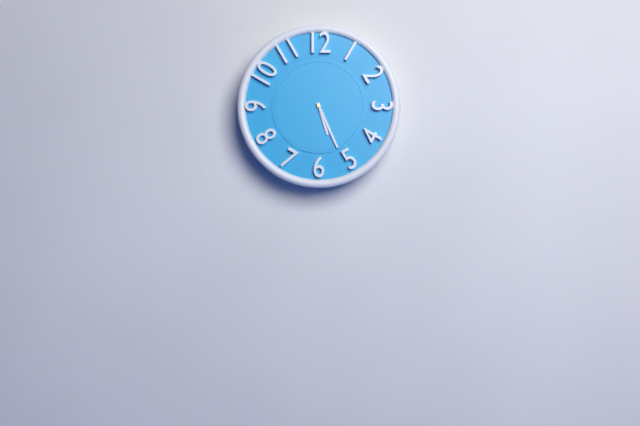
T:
5.26
